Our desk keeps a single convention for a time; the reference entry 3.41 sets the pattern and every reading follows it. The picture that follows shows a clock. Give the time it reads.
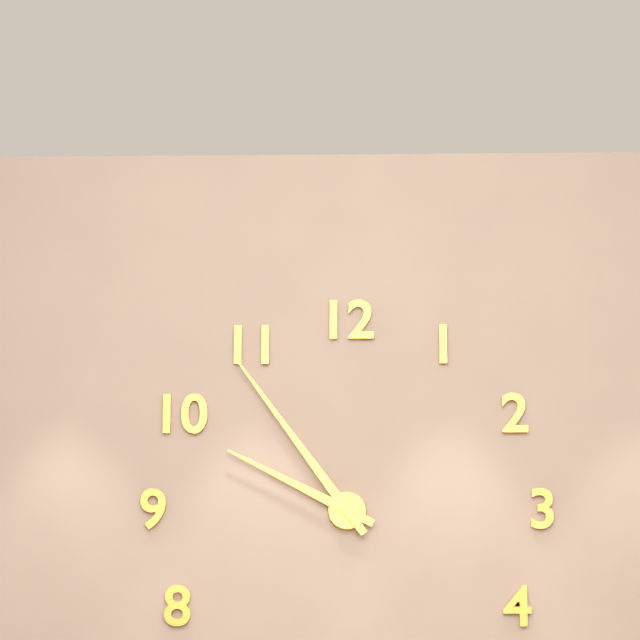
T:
9.54
